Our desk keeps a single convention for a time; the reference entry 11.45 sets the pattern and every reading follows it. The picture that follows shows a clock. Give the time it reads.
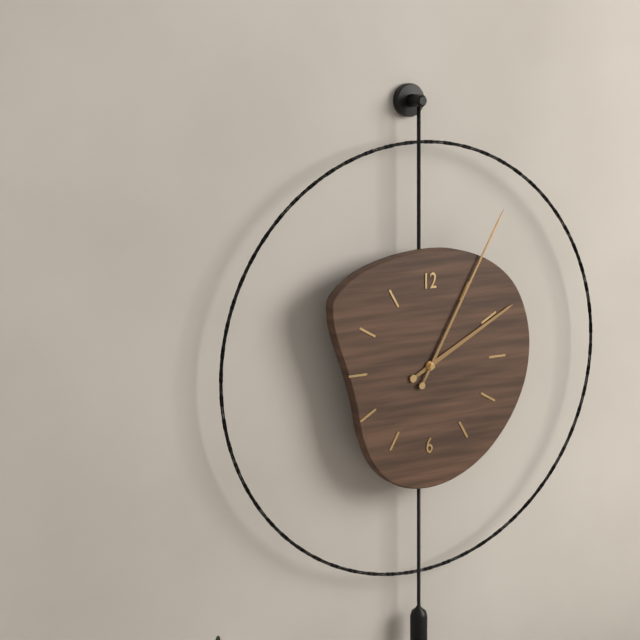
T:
2.05
